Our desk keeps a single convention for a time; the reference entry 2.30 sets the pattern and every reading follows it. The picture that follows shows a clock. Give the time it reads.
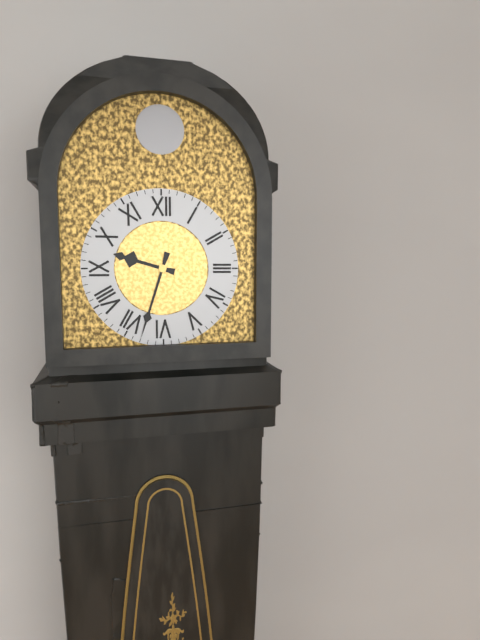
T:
9.33
